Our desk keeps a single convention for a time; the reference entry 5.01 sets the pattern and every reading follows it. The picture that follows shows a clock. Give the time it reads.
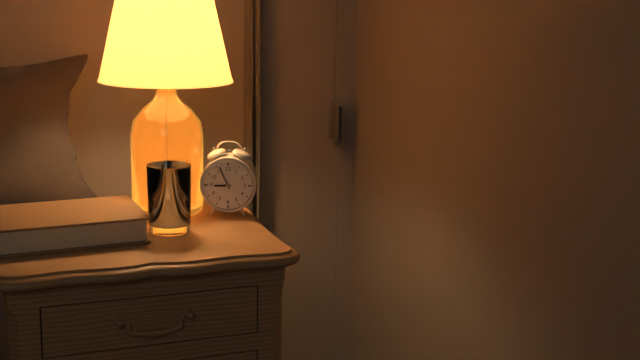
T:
8.56
